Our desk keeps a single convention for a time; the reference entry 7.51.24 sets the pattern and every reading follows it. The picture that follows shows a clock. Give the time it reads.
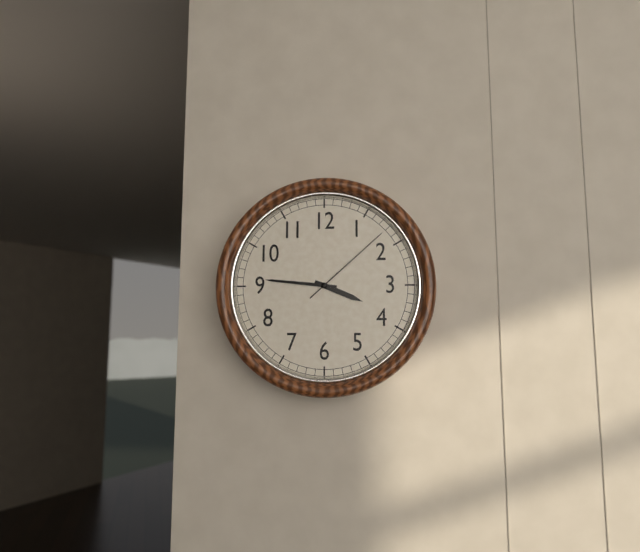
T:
3.46.08
